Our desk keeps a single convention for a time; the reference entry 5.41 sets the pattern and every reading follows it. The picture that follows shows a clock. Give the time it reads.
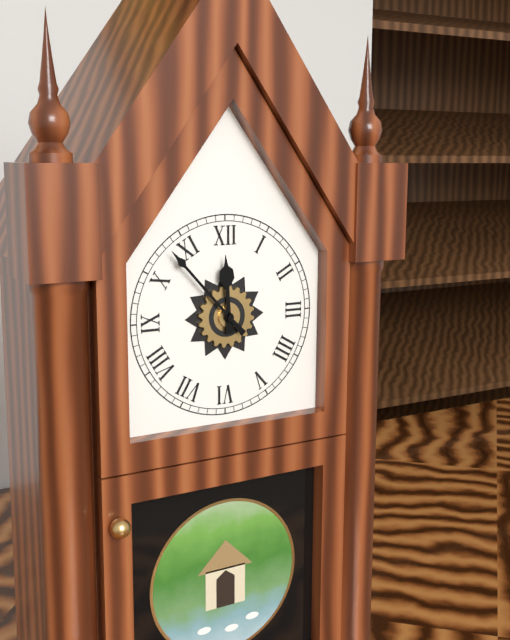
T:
11.53
